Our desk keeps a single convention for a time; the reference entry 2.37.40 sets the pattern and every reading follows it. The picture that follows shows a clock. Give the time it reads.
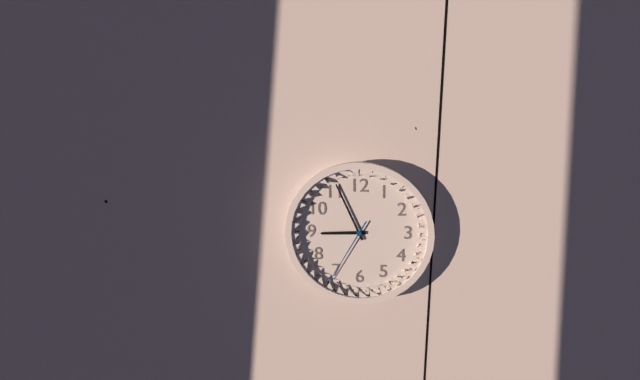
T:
8.56.35
